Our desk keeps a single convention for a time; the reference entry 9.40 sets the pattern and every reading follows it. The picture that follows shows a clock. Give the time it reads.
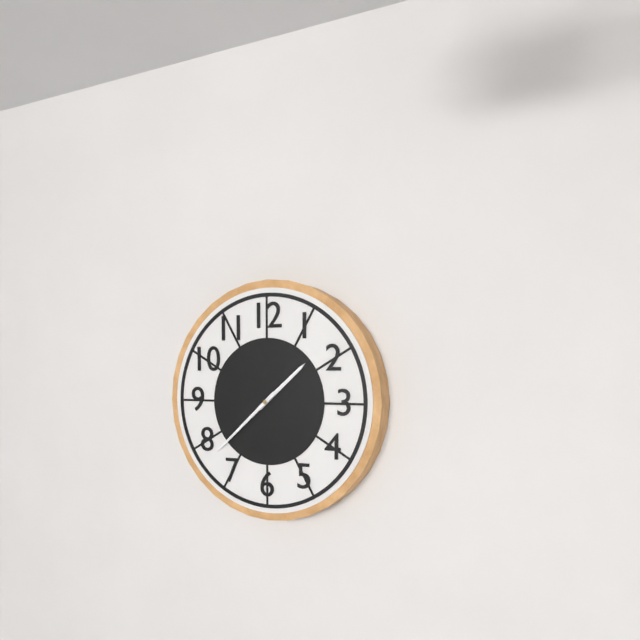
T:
1.38
